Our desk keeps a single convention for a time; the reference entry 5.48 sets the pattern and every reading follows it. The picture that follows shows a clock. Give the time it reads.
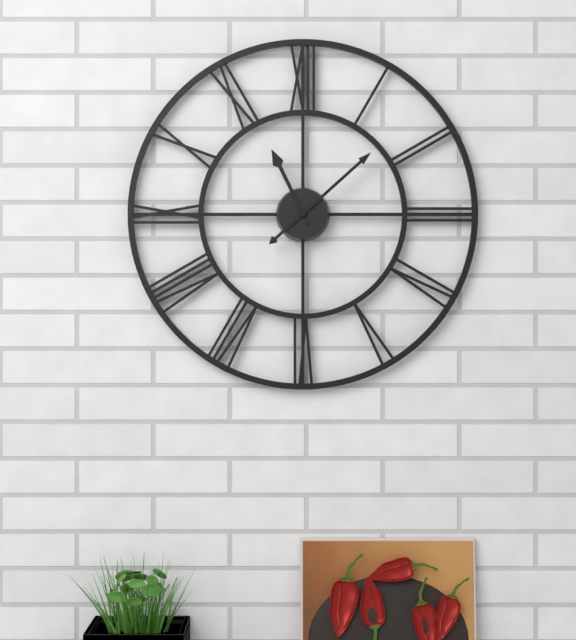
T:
11.08
